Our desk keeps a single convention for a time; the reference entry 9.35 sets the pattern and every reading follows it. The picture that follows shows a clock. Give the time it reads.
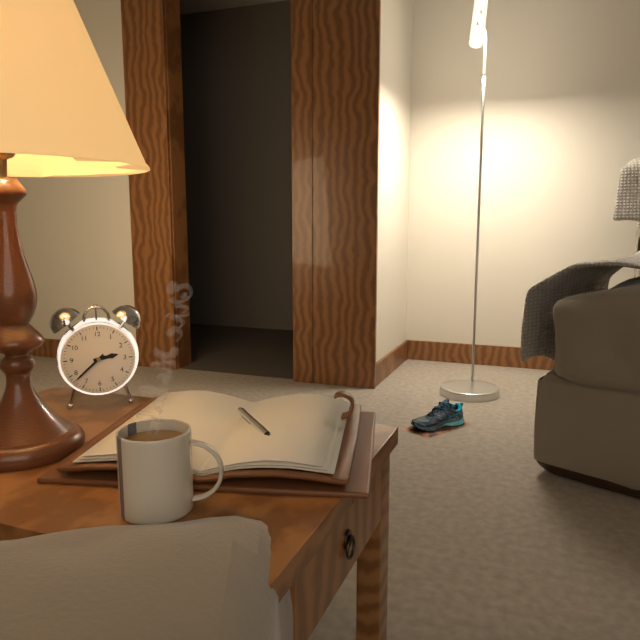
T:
2.38
